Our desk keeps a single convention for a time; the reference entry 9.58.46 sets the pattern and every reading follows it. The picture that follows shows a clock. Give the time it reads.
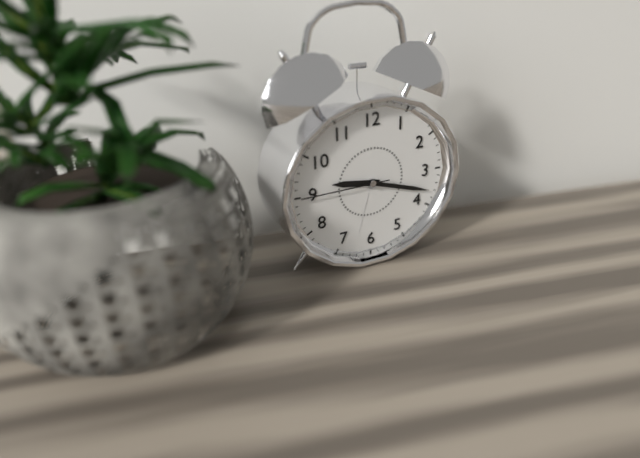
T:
9.18.45
